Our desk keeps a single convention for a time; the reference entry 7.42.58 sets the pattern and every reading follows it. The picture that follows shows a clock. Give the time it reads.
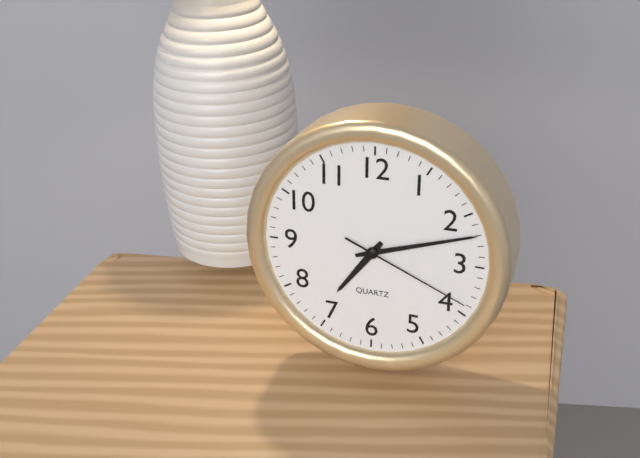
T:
7.12.19
